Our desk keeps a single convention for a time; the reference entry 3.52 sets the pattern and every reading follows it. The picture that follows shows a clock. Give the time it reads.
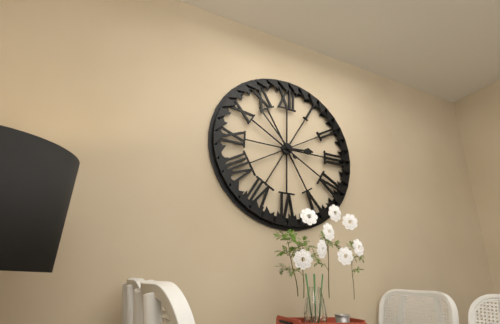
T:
2.53
